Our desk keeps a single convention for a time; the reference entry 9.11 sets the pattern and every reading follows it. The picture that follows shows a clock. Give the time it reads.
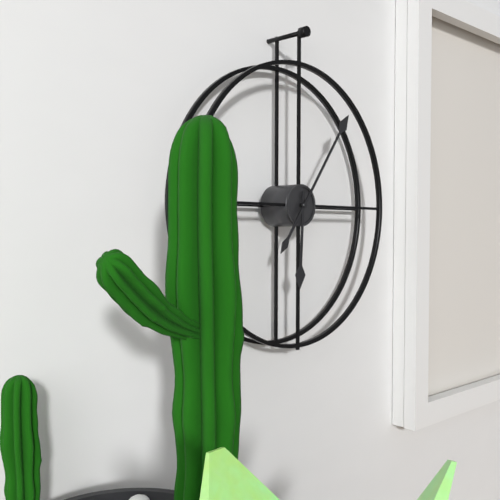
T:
6.06
